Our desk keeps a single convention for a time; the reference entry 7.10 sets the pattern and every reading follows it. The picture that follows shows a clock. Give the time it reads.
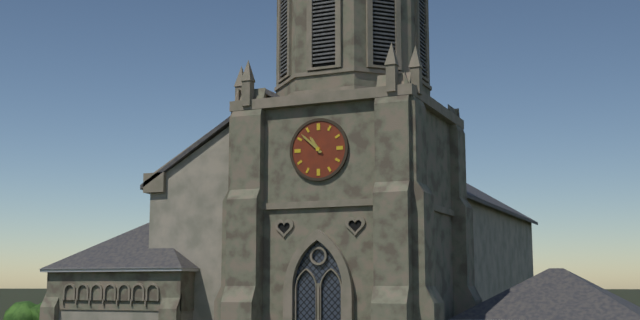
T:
10.52
